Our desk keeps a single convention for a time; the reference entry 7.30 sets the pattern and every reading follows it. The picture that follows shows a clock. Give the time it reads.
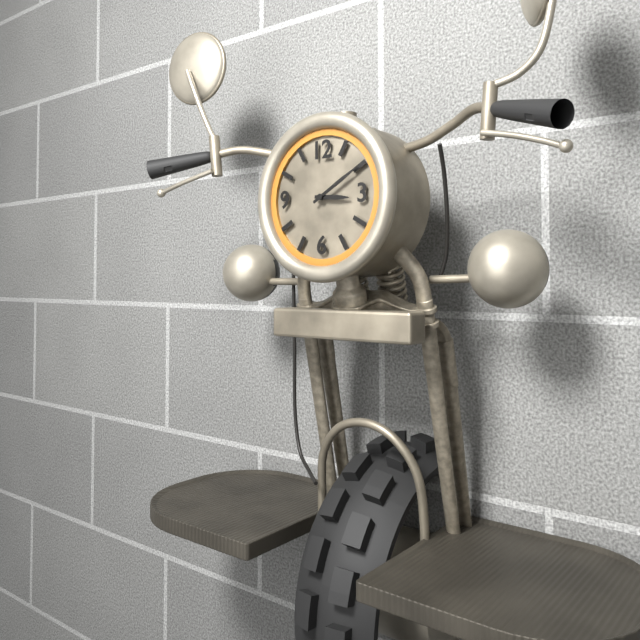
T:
3.10
